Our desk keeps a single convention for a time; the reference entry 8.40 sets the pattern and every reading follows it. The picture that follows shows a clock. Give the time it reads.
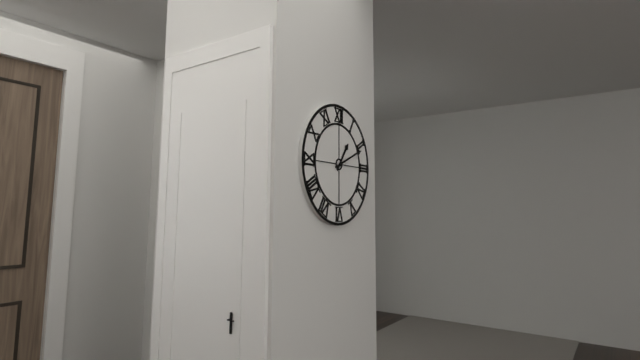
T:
1.11
